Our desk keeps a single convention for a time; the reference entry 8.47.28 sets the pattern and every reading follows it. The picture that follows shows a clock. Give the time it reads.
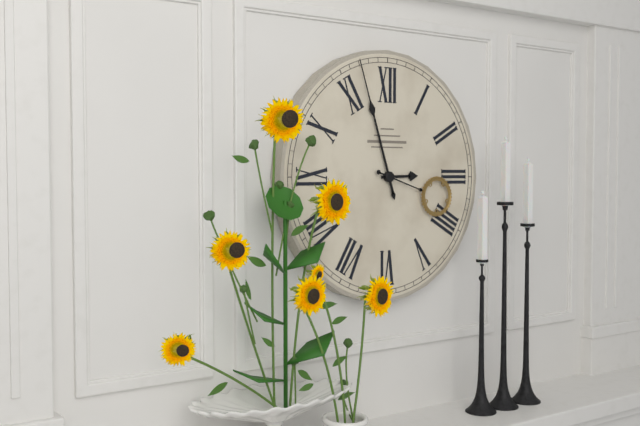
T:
2.57.18
